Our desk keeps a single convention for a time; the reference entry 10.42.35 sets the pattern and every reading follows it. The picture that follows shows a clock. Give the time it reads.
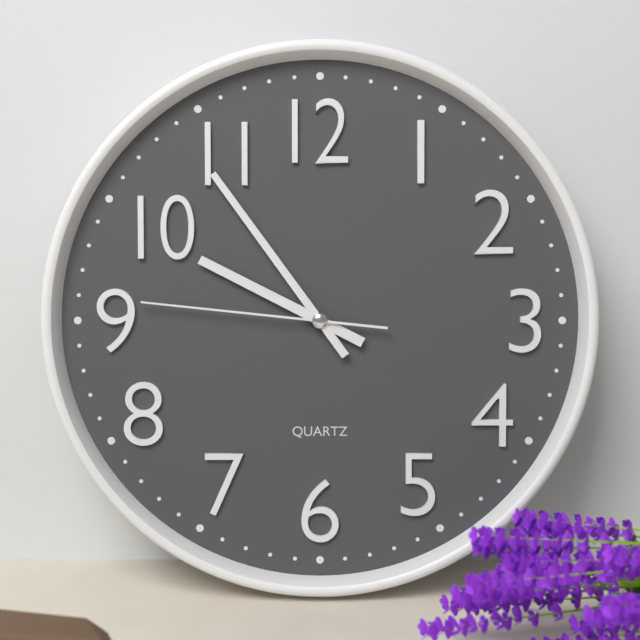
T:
9.54.46
